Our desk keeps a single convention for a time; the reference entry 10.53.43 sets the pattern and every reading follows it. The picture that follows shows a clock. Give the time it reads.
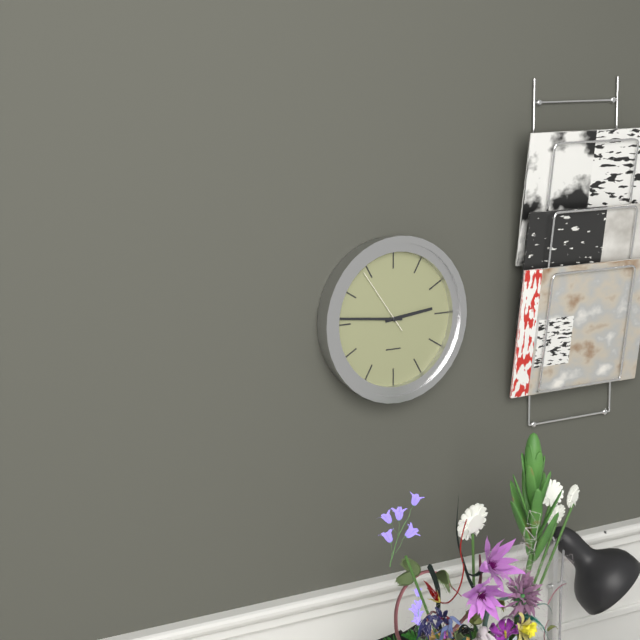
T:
2.46.54
